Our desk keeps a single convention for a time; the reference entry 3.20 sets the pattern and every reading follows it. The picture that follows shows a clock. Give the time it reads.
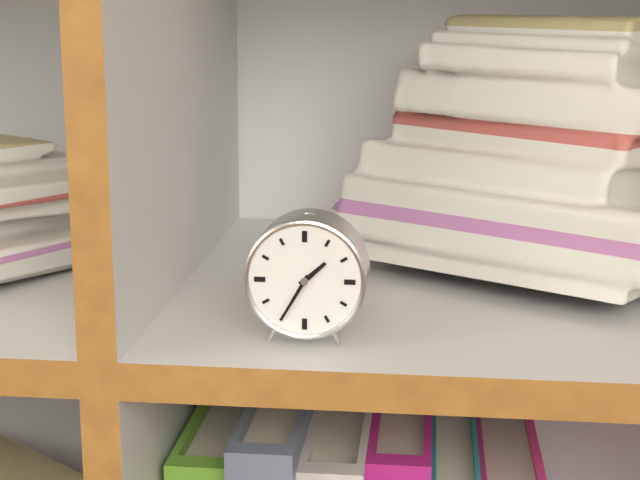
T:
1.35
